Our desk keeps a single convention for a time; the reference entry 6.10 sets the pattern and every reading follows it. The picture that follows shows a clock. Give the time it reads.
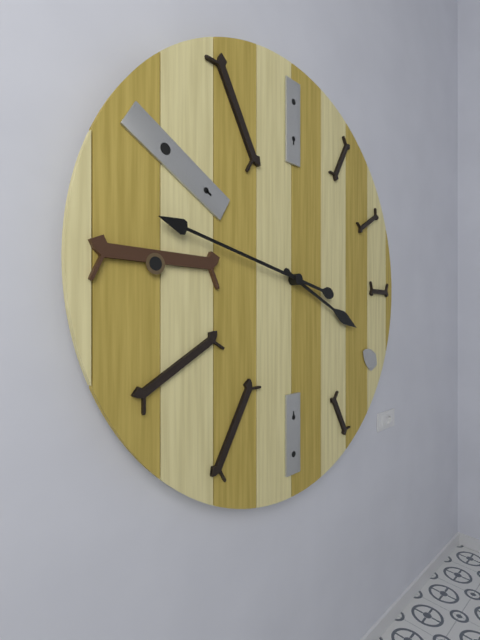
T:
3.47
